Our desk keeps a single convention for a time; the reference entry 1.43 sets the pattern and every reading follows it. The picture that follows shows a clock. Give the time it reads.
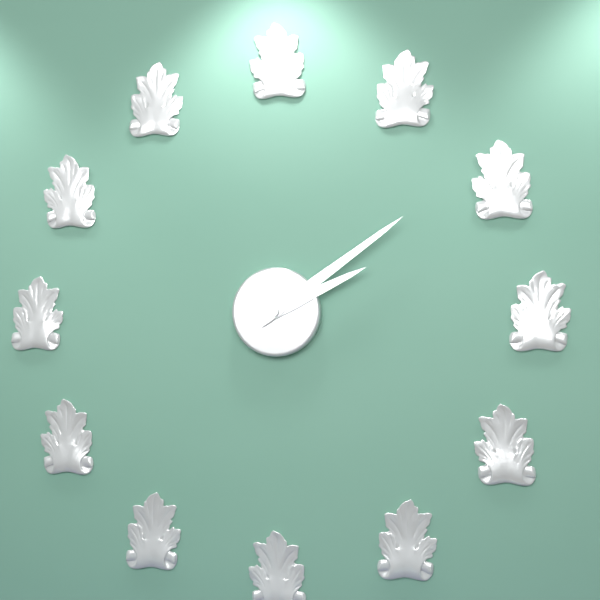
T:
2.09
